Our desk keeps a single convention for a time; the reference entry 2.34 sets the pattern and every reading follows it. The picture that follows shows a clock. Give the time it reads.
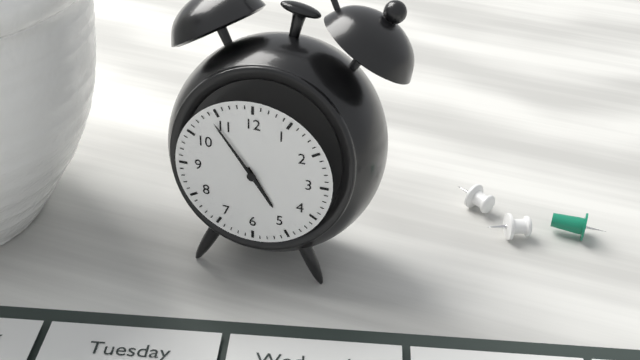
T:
4.54
